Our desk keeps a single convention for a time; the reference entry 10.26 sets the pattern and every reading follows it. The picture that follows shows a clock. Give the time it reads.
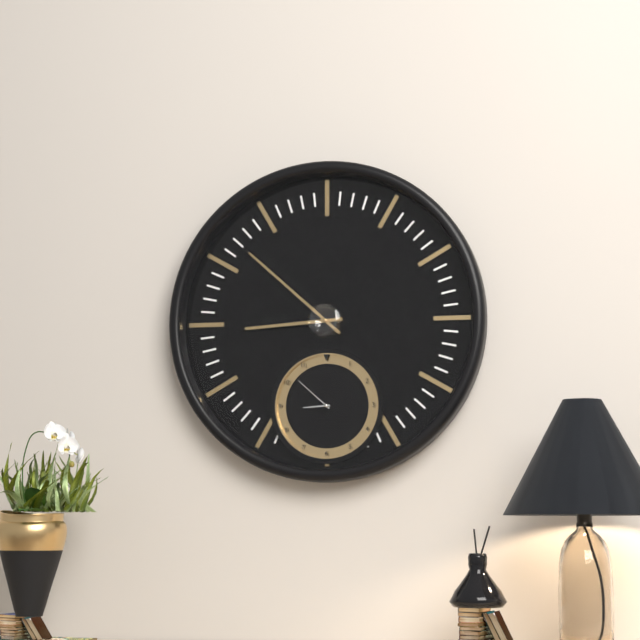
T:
8.52
